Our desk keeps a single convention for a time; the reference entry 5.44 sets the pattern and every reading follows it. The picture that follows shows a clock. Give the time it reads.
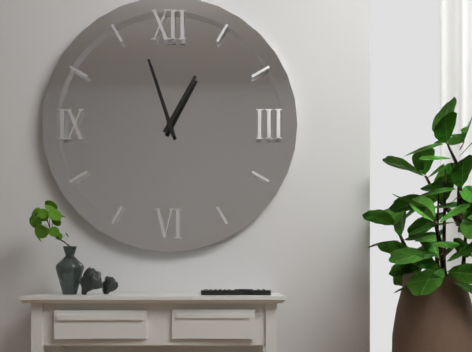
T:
12.57
